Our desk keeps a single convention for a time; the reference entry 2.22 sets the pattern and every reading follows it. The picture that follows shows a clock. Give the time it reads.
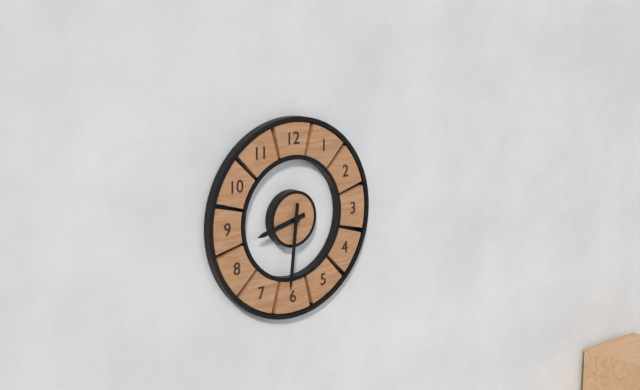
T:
8.31
